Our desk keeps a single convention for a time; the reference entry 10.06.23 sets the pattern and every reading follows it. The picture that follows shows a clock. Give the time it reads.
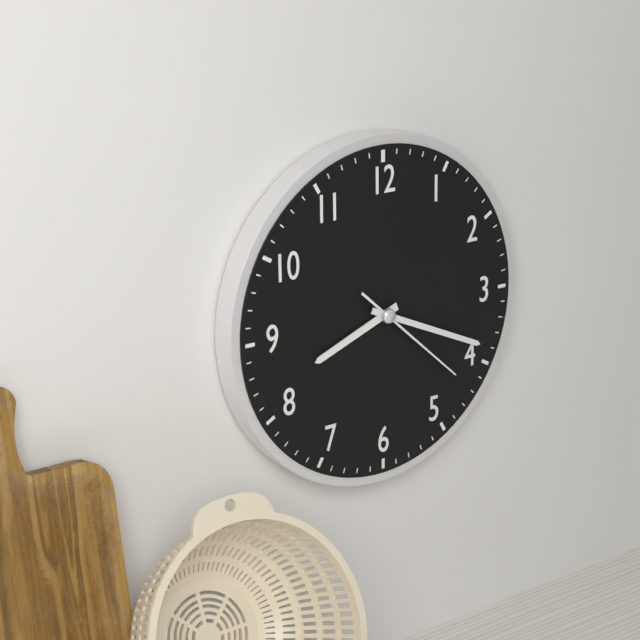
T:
8.19.22
